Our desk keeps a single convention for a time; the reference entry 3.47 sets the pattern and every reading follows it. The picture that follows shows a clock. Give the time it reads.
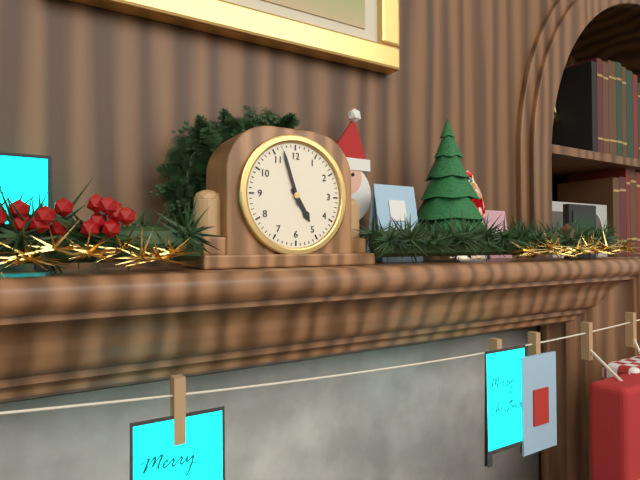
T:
4.57
